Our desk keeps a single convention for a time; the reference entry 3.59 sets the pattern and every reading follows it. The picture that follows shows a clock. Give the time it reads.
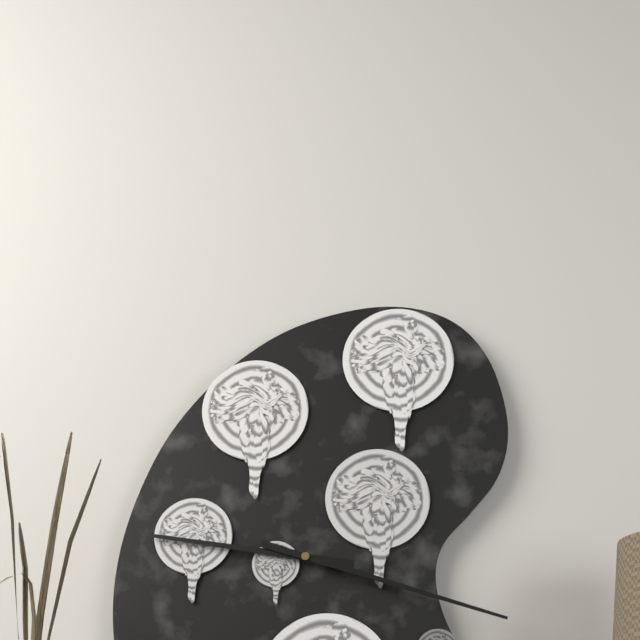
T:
9.18
